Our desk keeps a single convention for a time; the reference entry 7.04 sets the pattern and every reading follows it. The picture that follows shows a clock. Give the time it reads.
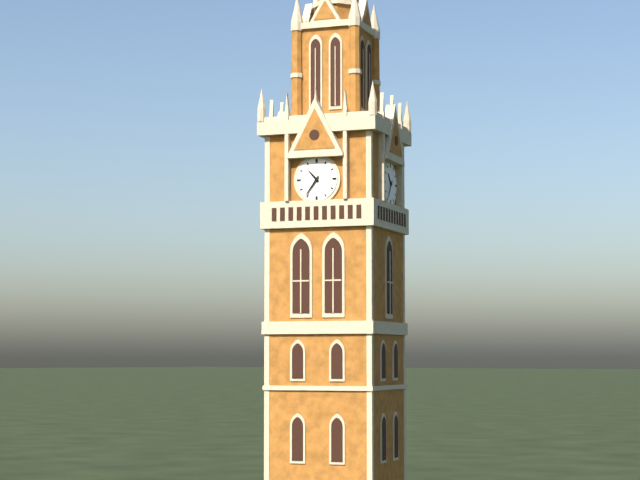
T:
10.36
